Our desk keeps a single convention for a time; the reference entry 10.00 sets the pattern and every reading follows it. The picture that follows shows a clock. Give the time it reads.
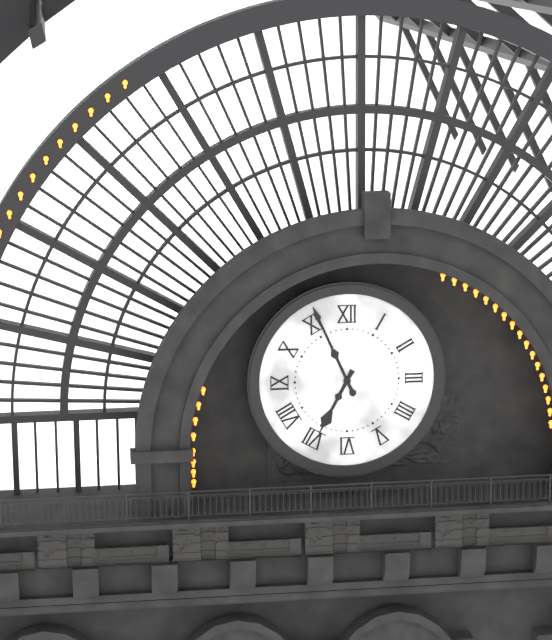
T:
6.56
